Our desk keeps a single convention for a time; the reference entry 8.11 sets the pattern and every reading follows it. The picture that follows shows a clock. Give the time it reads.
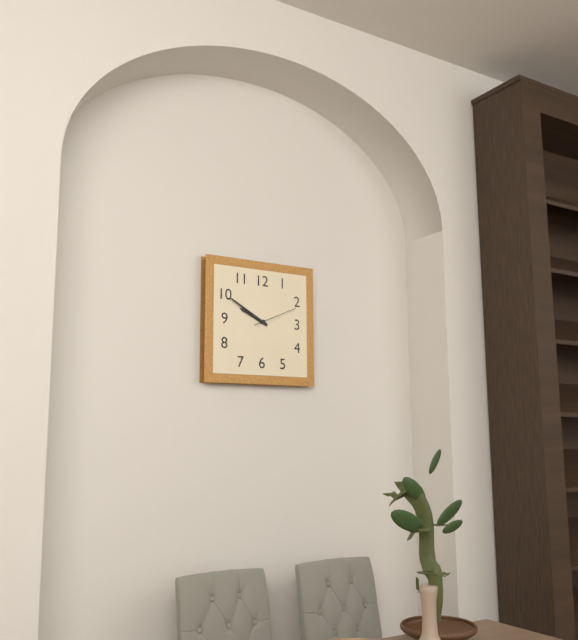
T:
9.50
